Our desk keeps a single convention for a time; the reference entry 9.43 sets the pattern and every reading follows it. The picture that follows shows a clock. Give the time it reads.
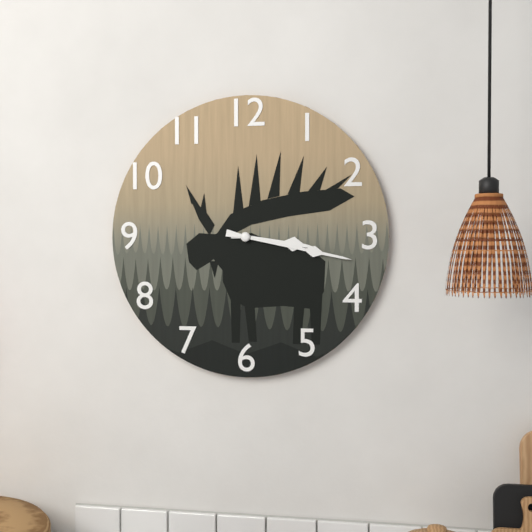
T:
3.17
